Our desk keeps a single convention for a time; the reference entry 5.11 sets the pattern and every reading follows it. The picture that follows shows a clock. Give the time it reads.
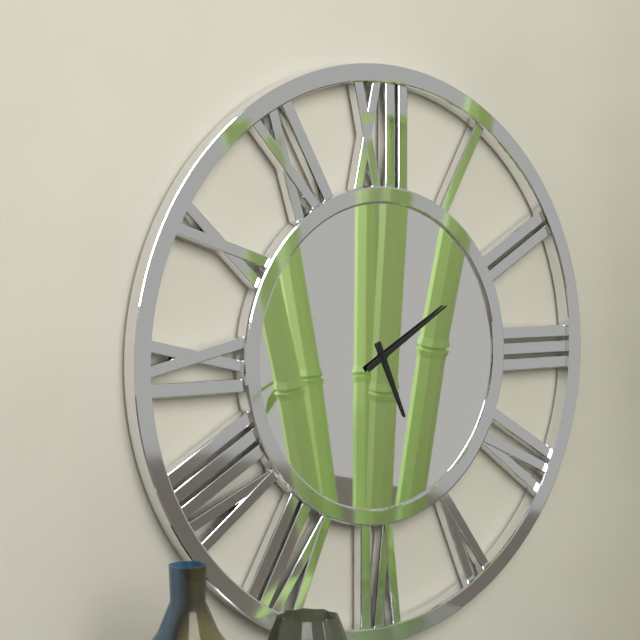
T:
5.10
